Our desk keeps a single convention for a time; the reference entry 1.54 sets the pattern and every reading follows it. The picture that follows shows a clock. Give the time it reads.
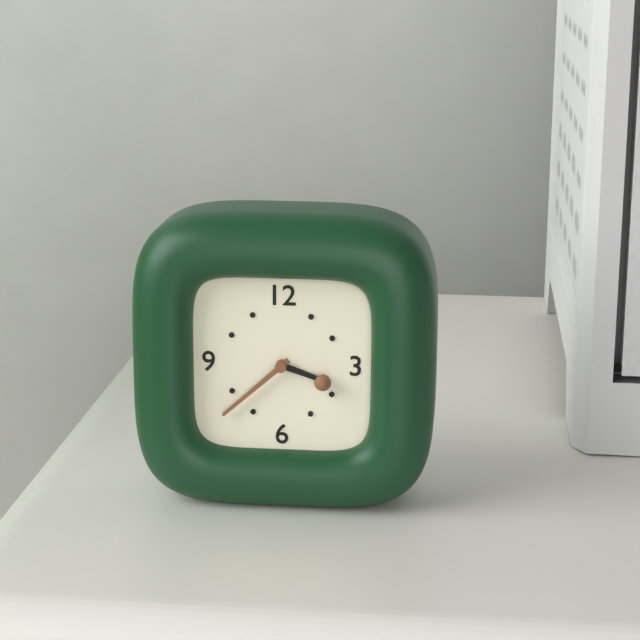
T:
3.38
